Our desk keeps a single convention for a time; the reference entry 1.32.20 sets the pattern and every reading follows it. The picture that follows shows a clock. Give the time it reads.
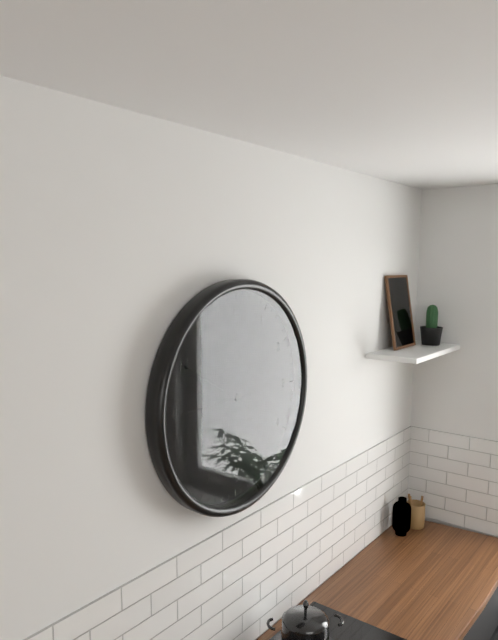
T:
3.50.45
